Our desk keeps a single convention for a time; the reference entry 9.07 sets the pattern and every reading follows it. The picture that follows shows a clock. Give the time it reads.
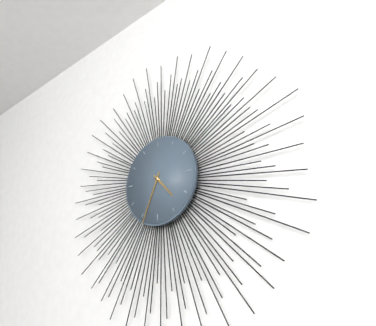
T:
4.34
